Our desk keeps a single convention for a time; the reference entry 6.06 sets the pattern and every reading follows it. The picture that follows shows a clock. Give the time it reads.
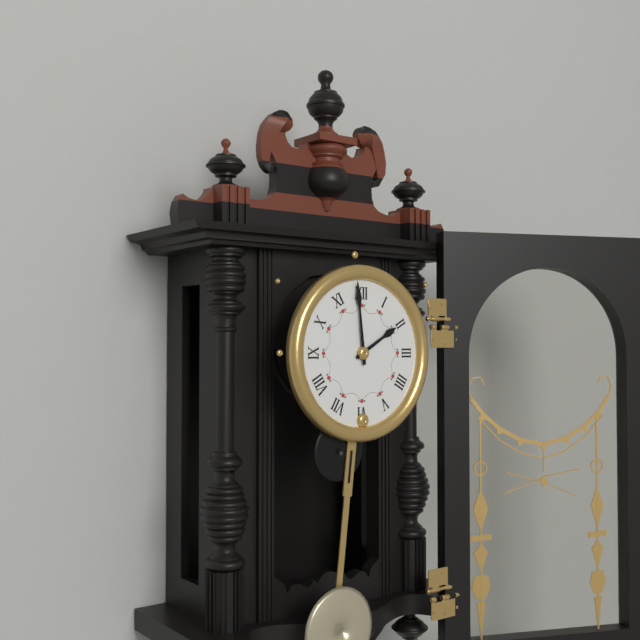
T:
1.59
